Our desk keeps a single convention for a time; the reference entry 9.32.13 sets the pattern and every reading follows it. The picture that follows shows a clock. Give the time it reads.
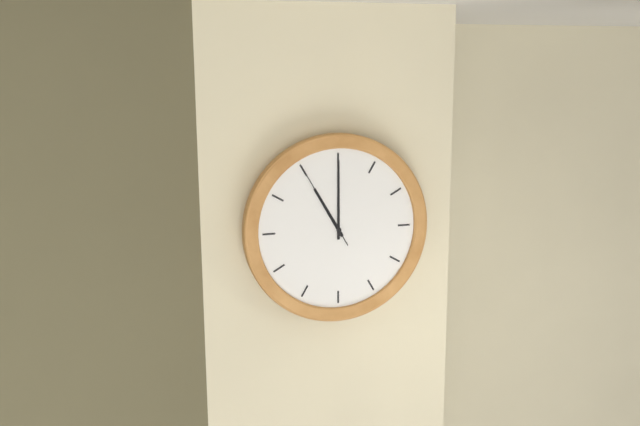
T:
11.00.55
